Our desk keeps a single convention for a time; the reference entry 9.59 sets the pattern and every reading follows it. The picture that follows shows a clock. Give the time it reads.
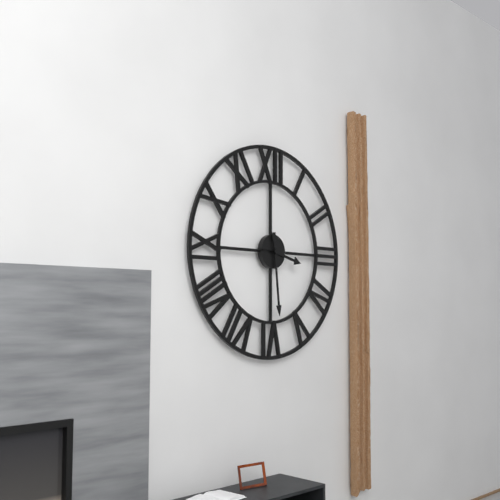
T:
3.29
